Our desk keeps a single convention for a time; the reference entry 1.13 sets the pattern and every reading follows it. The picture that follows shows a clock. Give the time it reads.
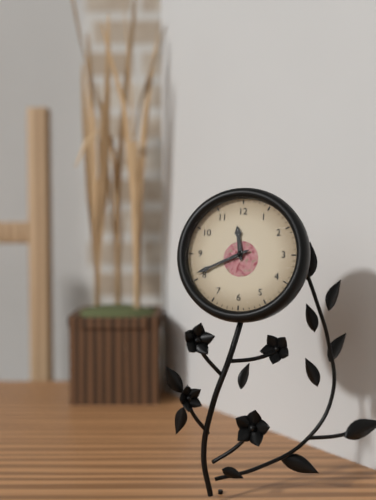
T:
11.41
